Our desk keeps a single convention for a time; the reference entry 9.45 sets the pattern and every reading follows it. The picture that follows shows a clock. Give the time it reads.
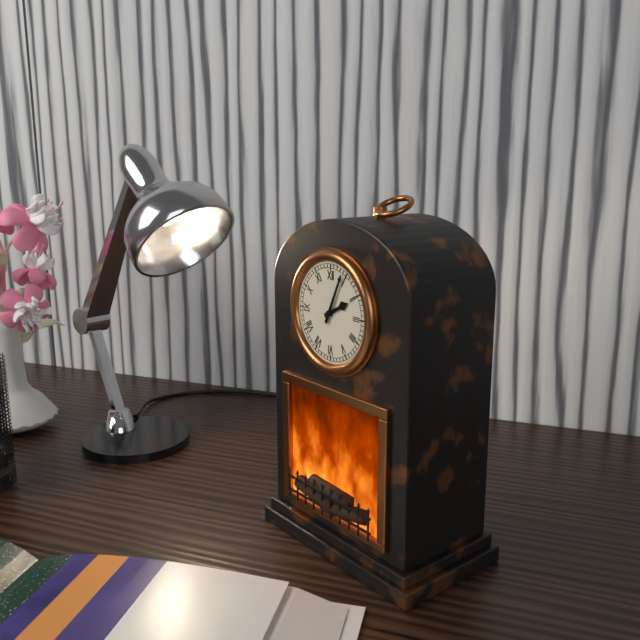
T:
2.04
